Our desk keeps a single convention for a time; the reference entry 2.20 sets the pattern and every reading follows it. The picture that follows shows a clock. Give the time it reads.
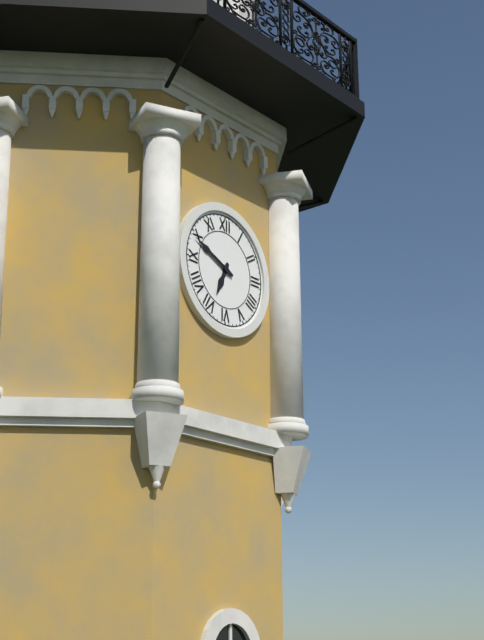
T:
6.49
